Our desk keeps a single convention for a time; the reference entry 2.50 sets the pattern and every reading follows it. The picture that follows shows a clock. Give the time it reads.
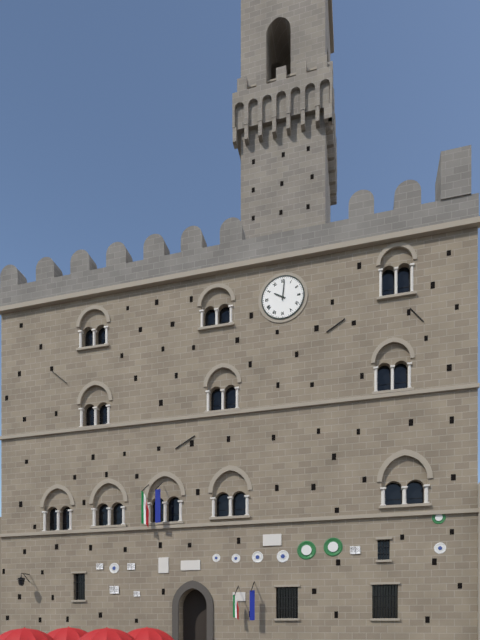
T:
10.01
